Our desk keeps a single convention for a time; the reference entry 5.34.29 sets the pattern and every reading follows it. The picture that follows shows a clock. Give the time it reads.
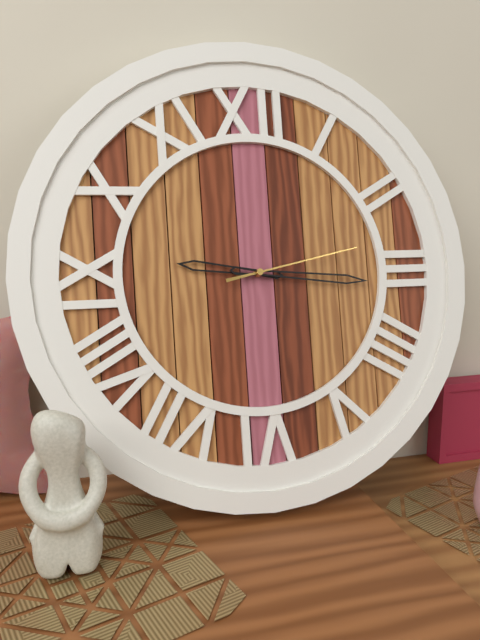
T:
9.16.13
